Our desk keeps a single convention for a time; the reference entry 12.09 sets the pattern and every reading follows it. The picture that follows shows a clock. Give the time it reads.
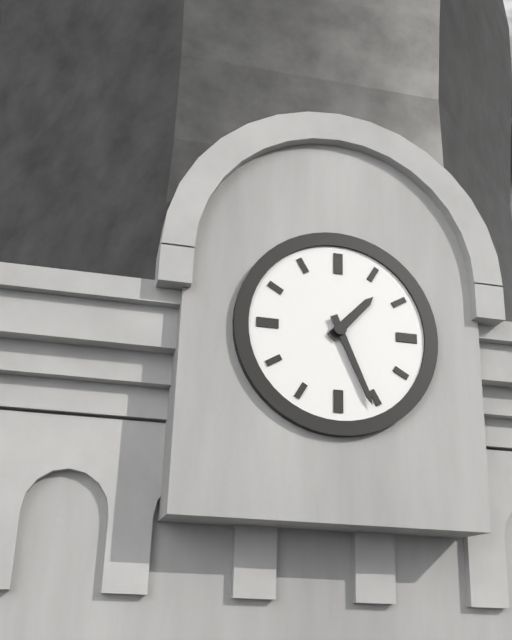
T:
1.26
